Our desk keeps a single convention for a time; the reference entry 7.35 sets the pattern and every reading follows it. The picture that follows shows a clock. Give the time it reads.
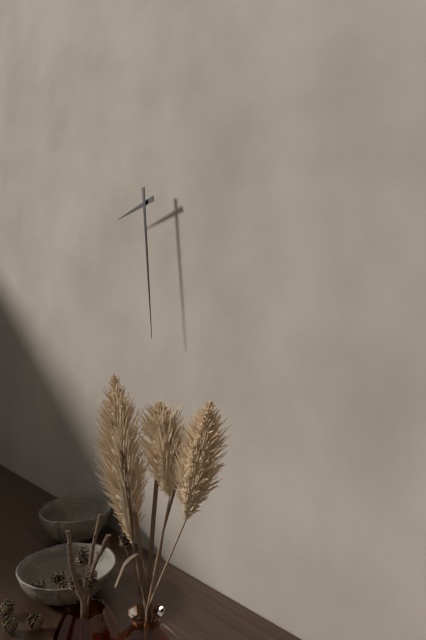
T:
8.29
